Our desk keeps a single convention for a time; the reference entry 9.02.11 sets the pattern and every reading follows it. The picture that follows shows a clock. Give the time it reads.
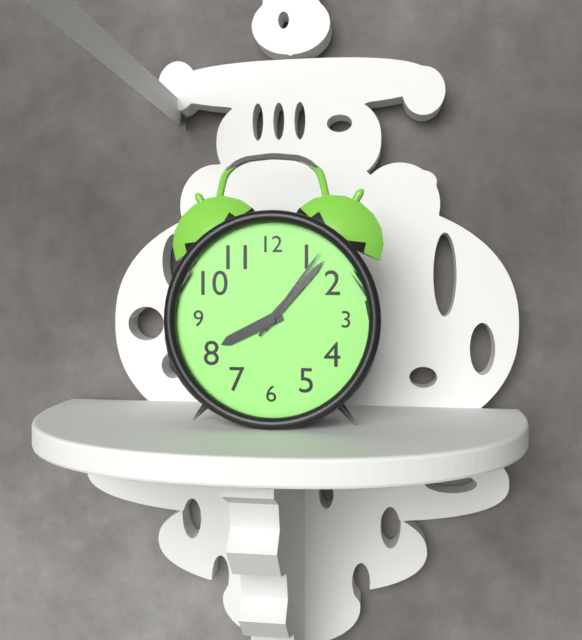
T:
8.07.06
